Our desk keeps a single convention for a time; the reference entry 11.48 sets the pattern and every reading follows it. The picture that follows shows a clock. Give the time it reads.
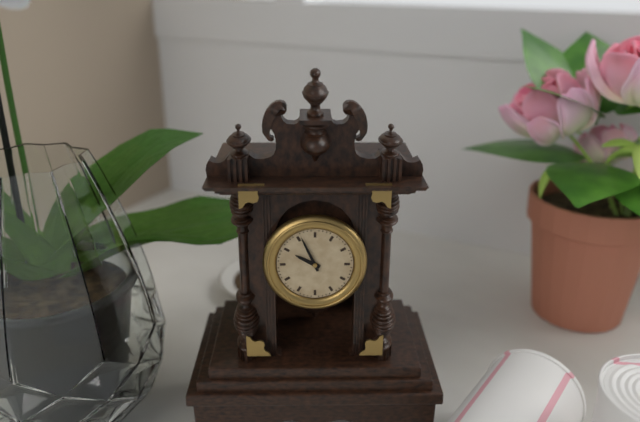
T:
9.56
